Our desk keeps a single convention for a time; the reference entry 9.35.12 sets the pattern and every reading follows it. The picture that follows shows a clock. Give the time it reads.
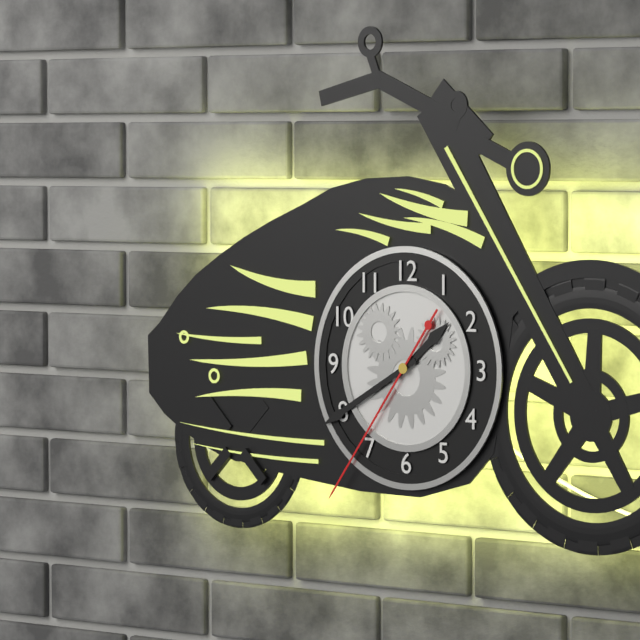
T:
1.40.36
